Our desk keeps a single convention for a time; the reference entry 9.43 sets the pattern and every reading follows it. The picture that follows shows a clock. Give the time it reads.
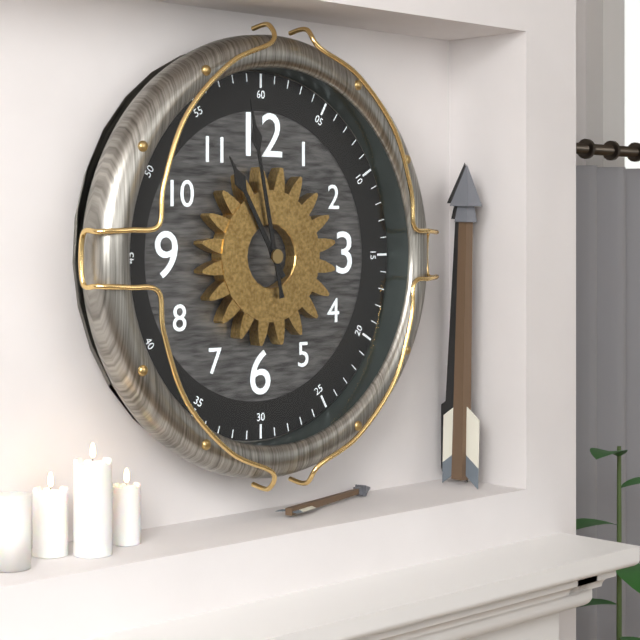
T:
10.58
